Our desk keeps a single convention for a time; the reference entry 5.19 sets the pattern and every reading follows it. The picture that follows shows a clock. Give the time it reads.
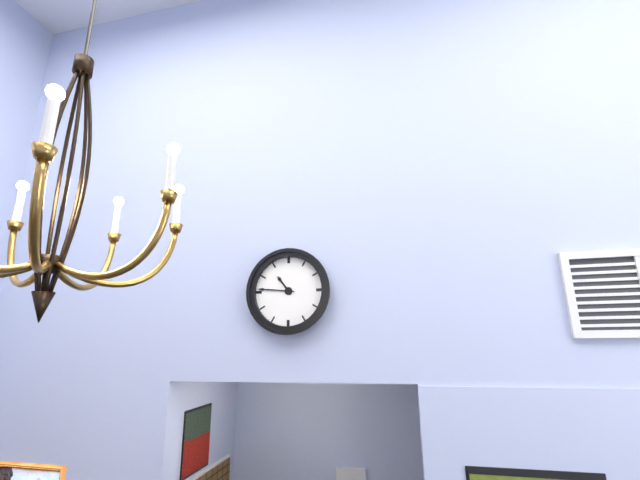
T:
10.46
